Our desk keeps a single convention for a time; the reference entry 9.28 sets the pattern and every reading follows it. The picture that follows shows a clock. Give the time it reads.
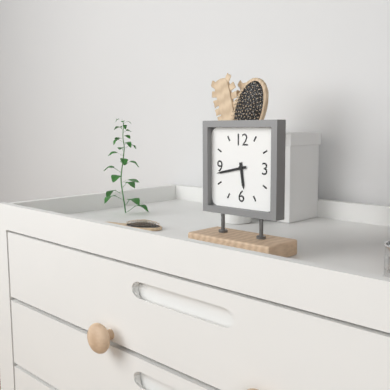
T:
5.43
